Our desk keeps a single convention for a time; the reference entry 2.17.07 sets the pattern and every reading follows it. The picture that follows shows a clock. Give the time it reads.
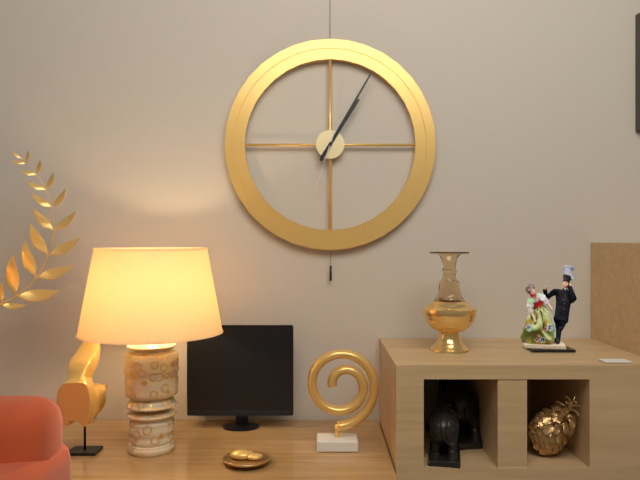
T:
1.05.33
